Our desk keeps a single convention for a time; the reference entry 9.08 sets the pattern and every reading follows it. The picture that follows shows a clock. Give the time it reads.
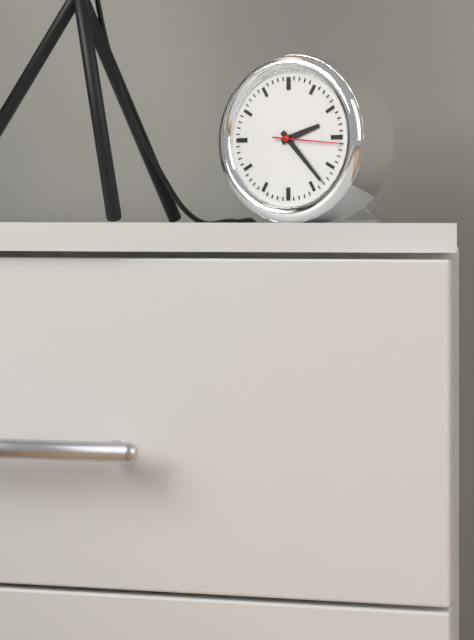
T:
2.23
